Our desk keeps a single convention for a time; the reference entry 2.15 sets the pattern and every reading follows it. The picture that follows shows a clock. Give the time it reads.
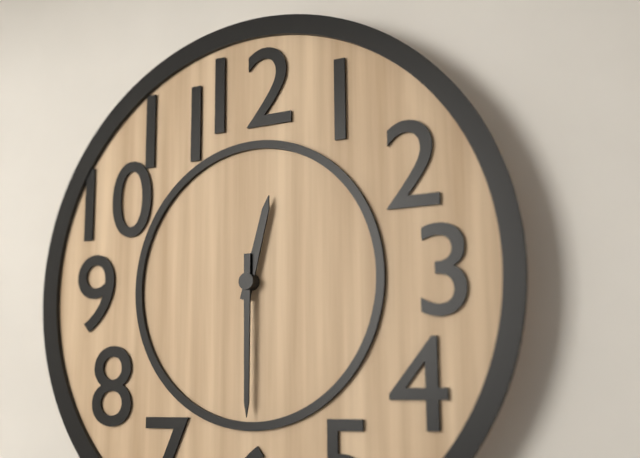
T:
12.30
